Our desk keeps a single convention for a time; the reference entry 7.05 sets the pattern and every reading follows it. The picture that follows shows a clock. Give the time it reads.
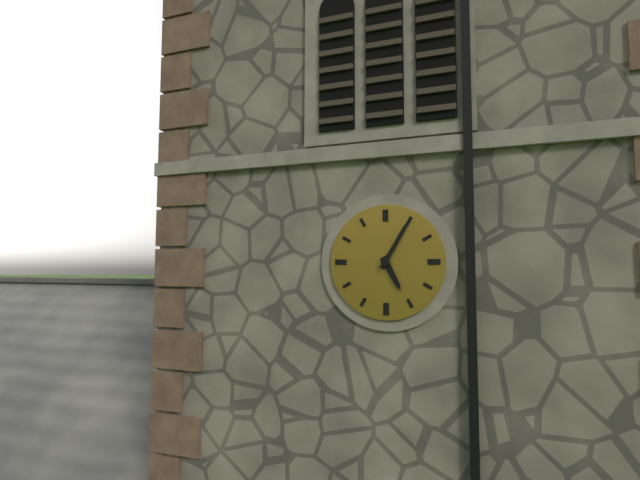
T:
5.05
